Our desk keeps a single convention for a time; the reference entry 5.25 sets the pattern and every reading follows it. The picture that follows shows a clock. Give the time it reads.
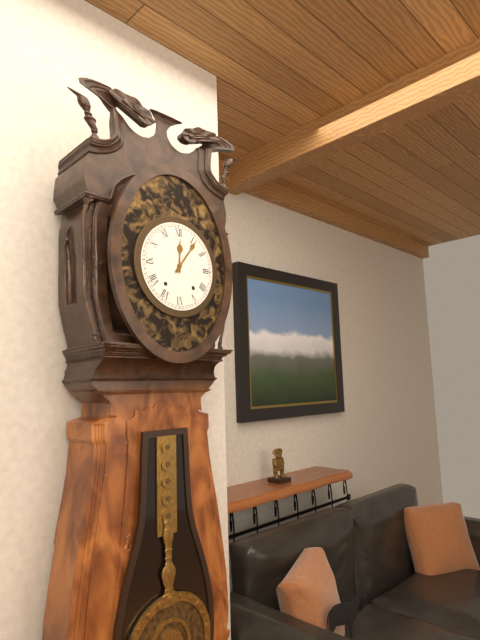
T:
12.06
